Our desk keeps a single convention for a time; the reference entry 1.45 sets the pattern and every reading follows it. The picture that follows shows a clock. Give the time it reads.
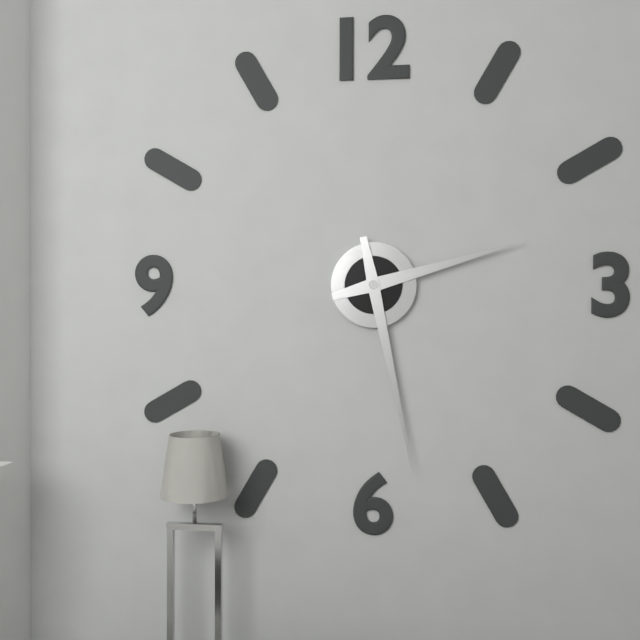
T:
2.28
